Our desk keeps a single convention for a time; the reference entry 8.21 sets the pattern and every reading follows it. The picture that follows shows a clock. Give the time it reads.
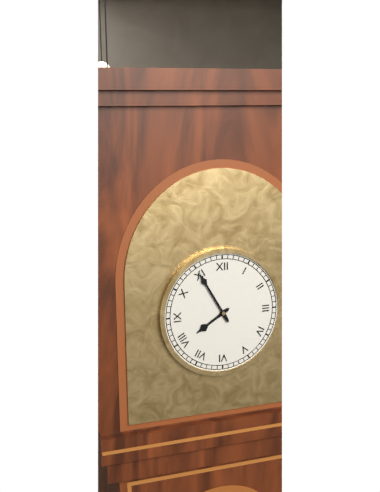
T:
7.55
